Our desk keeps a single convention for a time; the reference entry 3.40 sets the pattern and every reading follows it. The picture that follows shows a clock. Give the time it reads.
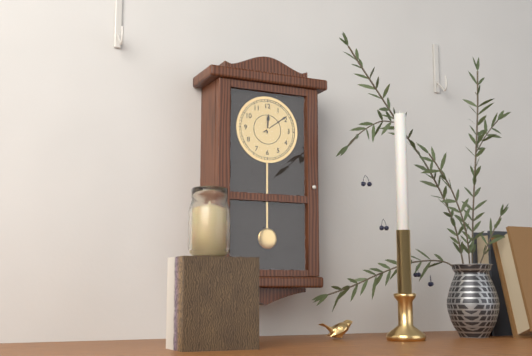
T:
12.09
